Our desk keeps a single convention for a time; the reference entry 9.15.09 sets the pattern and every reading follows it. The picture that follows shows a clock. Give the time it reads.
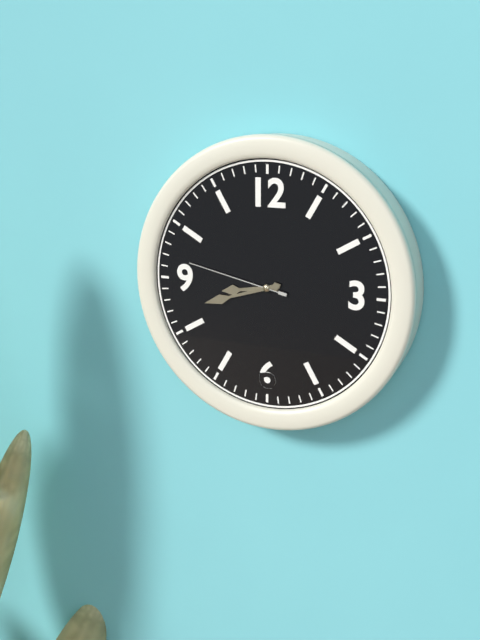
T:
8.42.47
